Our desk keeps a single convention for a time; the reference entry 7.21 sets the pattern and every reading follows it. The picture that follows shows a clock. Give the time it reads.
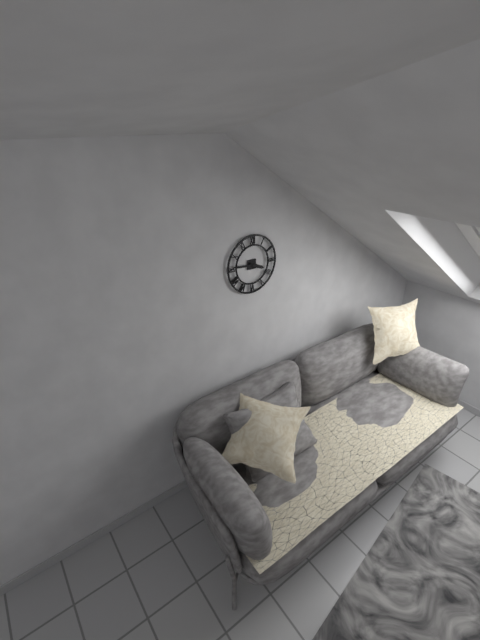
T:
3.46
